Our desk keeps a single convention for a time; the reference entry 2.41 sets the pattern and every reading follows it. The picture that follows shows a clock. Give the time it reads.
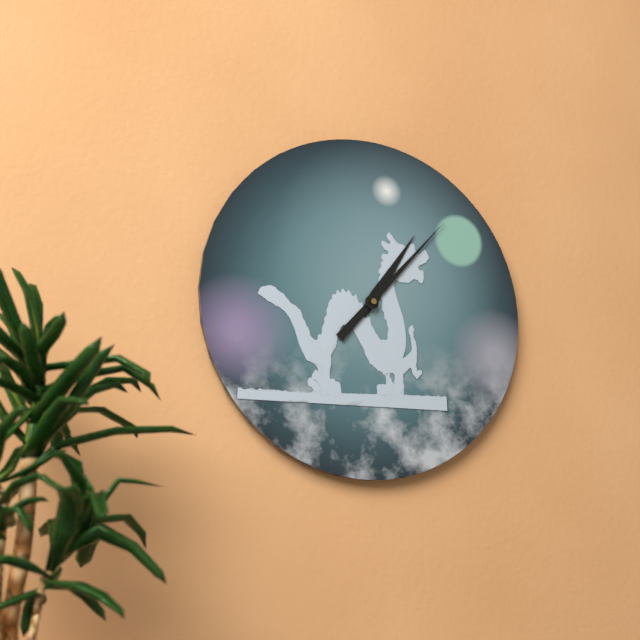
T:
1.07
